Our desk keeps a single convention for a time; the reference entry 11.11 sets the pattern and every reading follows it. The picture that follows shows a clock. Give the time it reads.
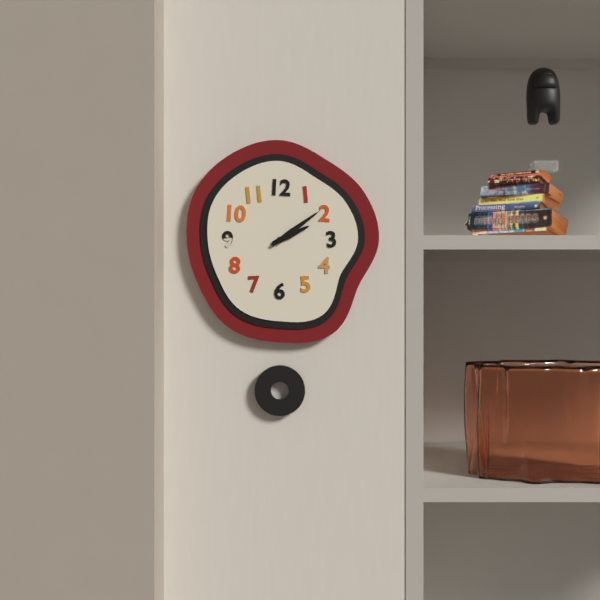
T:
2.09
